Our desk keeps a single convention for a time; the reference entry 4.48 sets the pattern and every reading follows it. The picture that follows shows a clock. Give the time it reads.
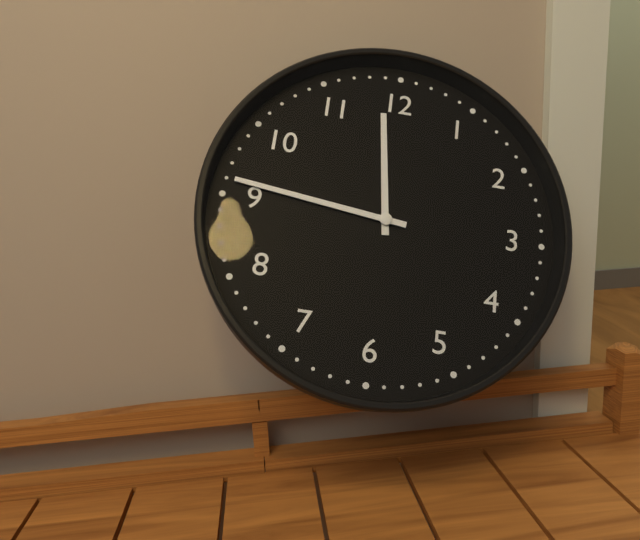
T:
11.46
